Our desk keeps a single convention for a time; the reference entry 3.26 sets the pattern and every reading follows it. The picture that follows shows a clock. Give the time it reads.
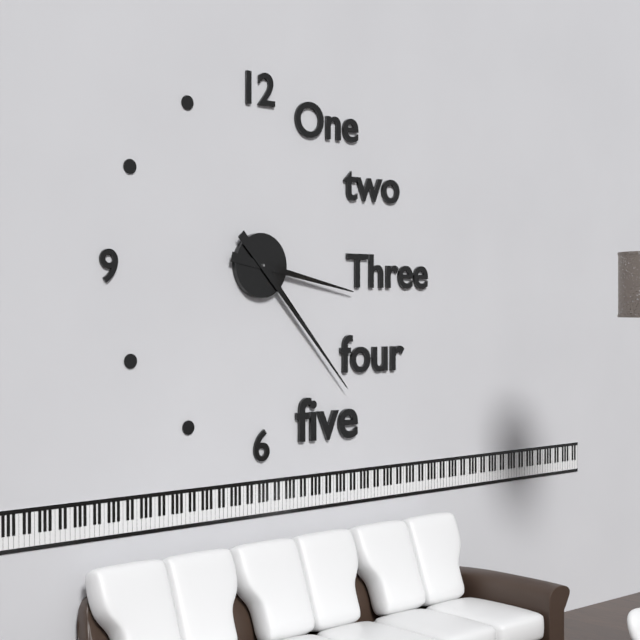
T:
3.23
